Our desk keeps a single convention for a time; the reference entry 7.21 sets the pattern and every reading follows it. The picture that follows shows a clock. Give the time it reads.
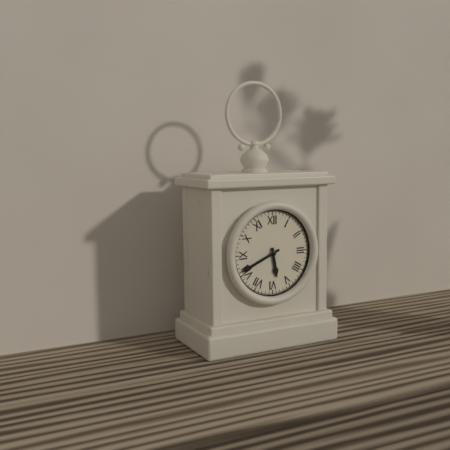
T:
5.41
